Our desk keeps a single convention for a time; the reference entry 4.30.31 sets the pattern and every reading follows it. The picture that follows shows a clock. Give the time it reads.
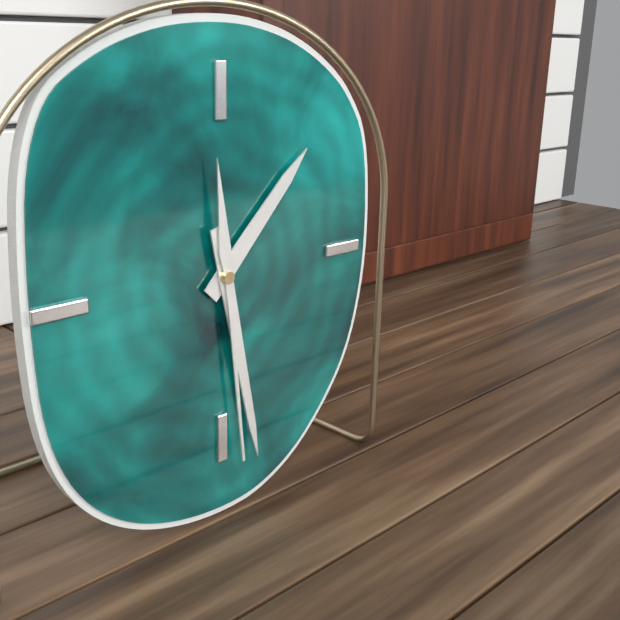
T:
1.28.29
